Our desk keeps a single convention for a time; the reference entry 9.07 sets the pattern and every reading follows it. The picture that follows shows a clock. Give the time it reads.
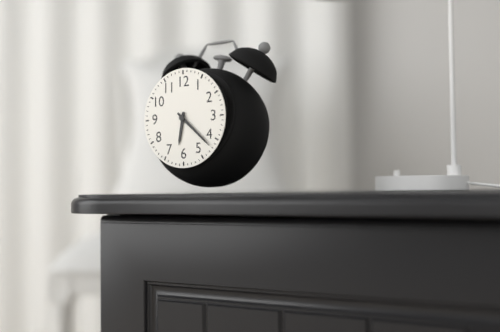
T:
6.22
